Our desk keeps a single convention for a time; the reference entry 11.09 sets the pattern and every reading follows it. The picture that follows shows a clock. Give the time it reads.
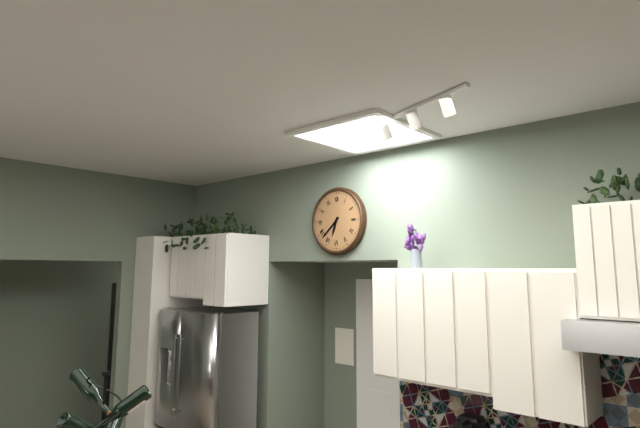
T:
6.38
